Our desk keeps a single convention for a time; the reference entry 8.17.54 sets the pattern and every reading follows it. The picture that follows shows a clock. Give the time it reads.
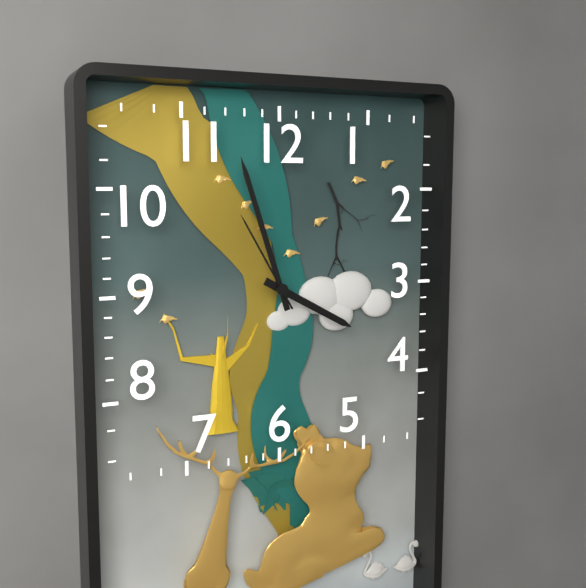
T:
3.57.55
